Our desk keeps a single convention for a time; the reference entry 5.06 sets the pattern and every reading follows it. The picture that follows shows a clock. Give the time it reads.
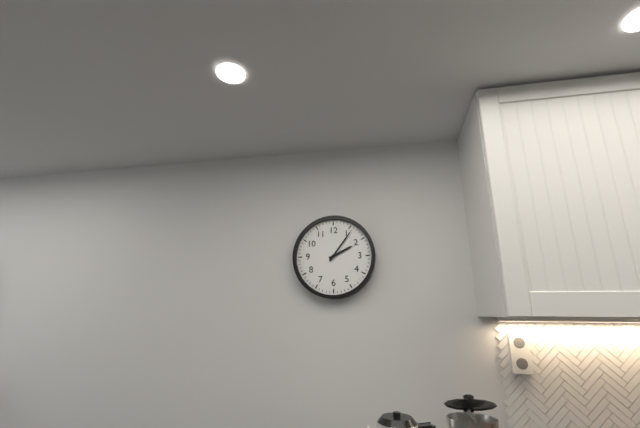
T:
2.06
